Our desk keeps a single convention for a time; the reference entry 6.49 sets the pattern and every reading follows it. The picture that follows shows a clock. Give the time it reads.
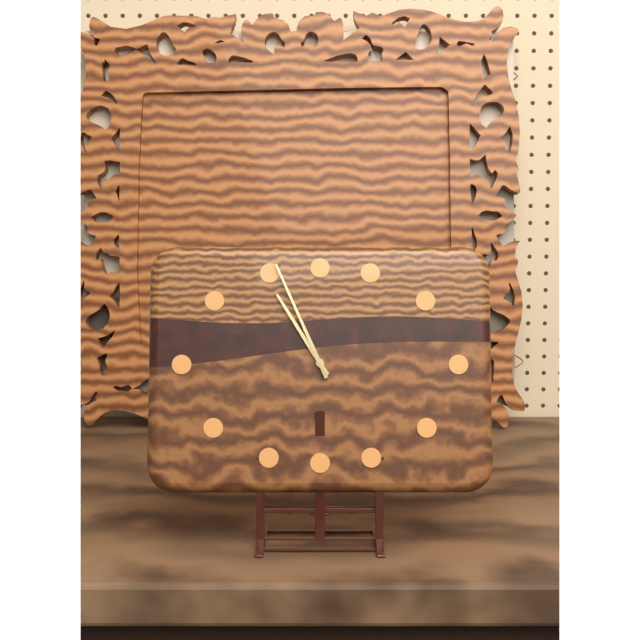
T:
10.56
